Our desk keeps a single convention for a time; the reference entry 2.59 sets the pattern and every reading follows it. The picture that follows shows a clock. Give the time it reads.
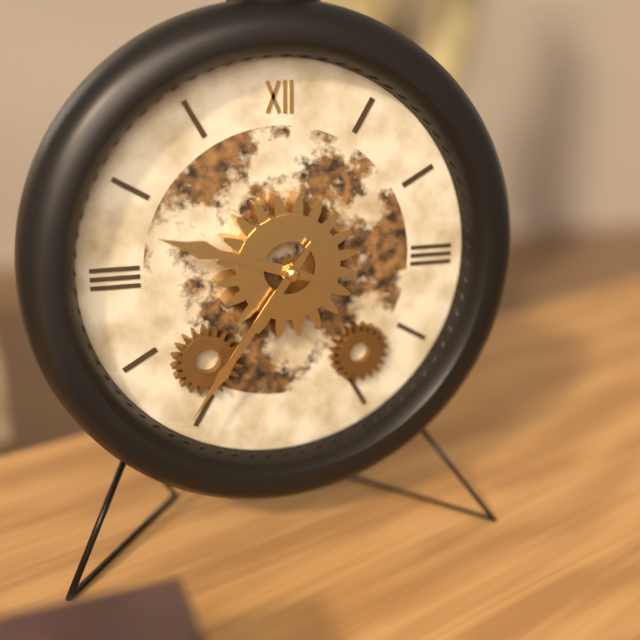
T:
9.36
